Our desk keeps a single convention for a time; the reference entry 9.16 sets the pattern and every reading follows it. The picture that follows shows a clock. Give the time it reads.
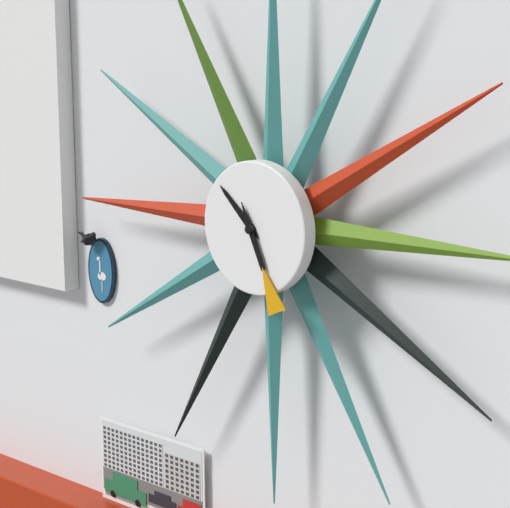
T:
10.26
